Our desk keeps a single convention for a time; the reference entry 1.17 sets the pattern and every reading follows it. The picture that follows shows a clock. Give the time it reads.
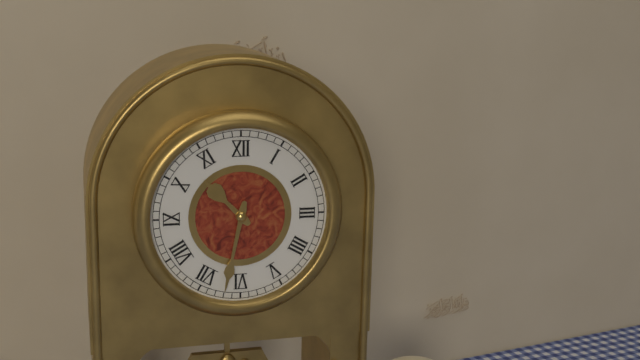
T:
10.32
